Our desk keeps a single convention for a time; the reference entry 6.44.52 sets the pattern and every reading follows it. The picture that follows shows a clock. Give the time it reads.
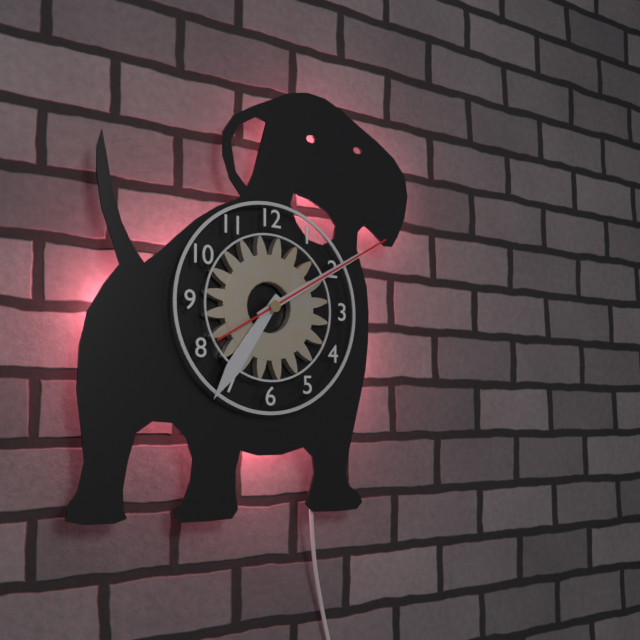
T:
7.10.10
